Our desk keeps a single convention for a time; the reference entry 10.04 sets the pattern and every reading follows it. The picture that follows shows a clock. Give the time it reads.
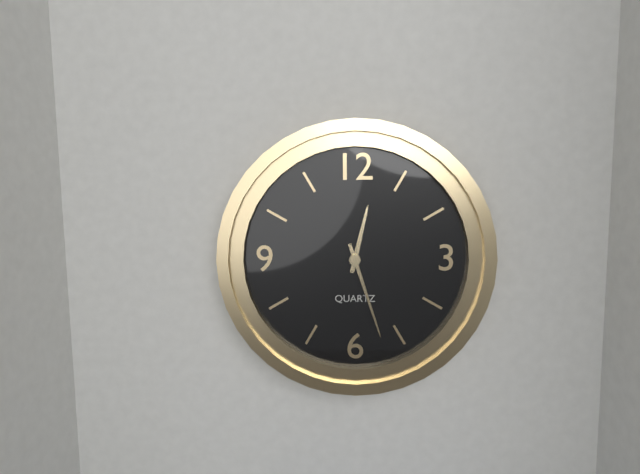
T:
12.27
